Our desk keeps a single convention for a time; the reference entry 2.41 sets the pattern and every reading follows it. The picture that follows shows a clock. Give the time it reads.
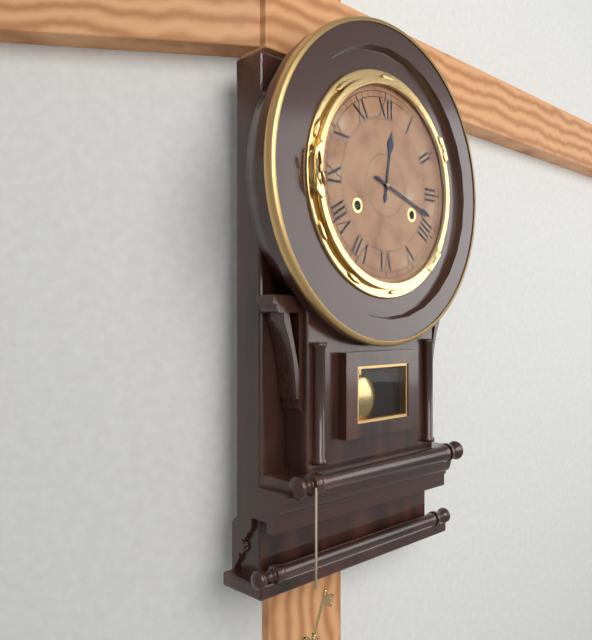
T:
12.18
